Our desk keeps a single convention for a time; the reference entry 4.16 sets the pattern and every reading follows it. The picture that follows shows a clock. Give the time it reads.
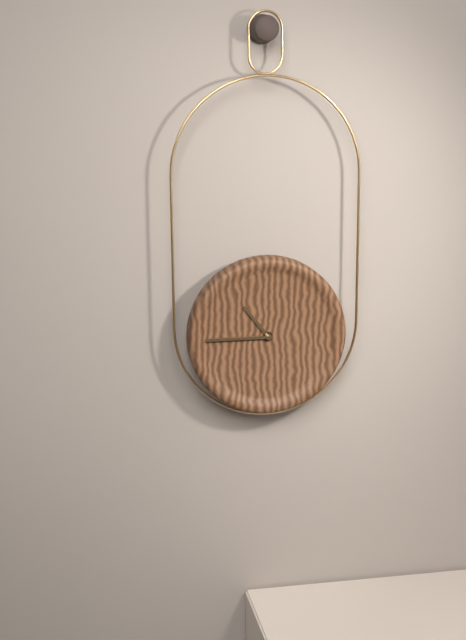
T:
10.45
